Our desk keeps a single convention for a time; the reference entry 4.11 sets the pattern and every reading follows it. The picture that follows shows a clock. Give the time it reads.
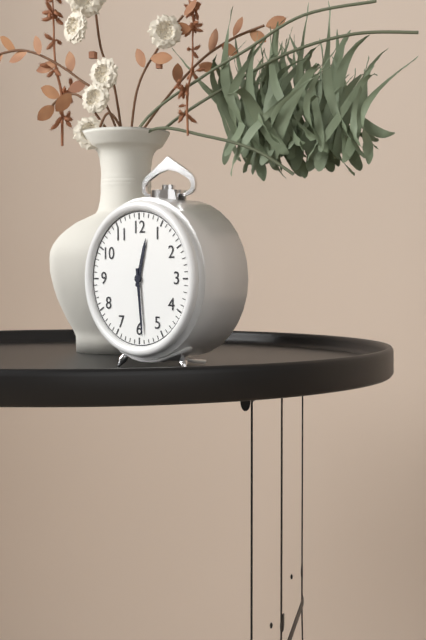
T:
12.29
